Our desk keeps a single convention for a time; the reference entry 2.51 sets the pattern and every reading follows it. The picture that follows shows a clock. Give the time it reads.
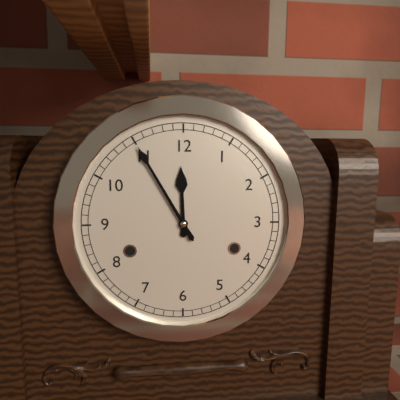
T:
11.55
